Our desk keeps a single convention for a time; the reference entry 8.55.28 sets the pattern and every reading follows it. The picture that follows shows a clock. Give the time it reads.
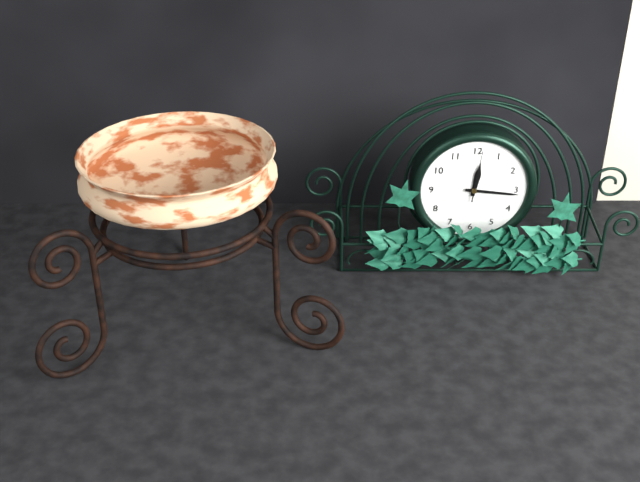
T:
12.16.01
